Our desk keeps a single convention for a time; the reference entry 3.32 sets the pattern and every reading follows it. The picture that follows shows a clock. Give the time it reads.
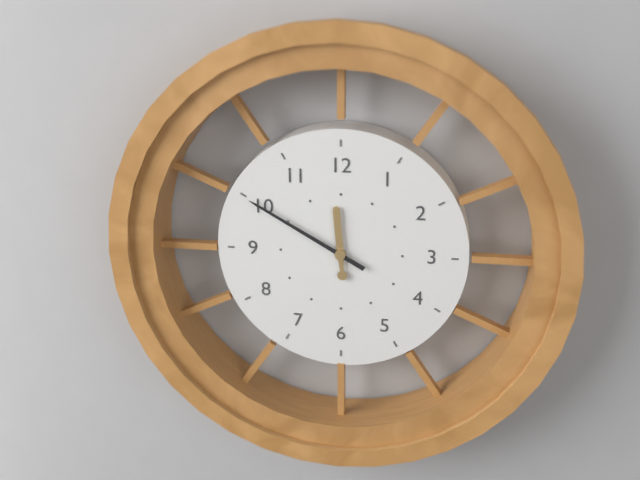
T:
11.50
